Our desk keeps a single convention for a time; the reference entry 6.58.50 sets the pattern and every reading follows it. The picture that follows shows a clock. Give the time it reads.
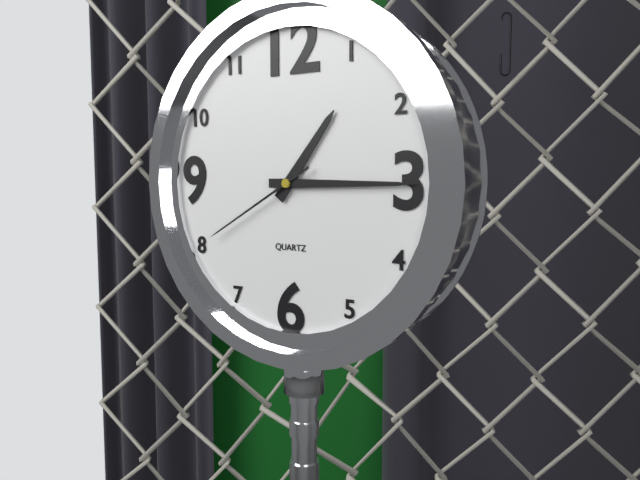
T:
1.15.40
